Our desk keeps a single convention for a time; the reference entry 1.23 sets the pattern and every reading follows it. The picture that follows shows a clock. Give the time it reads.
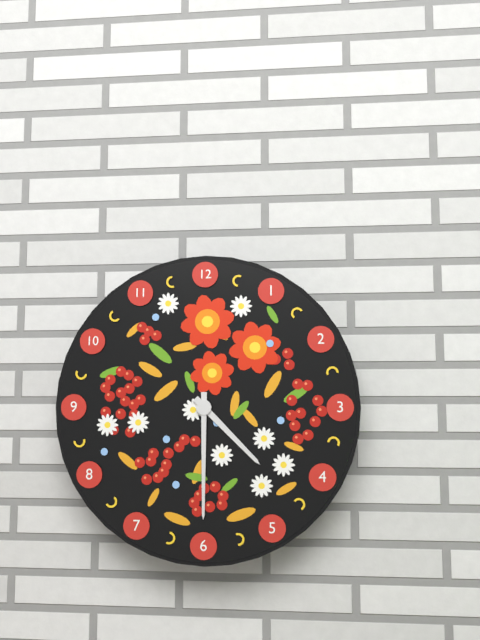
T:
4.30
